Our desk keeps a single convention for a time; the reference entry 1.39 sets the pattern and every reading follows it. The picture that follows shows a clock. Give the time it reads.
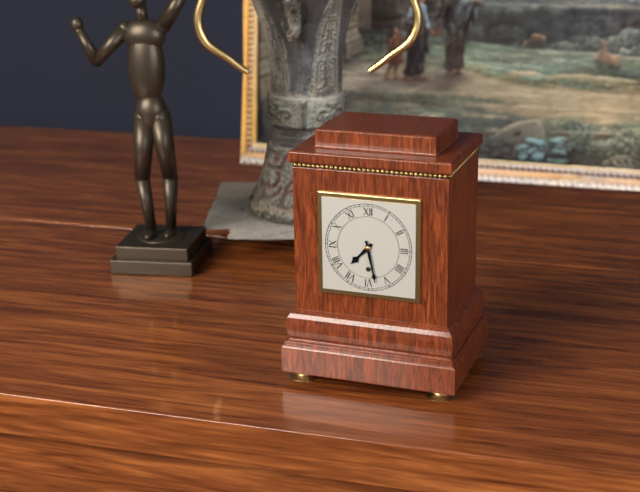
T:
7.28
